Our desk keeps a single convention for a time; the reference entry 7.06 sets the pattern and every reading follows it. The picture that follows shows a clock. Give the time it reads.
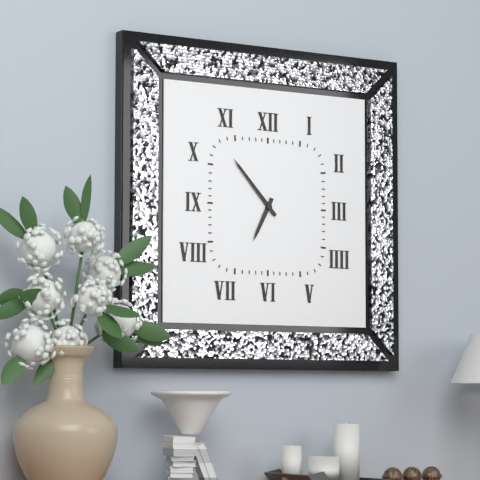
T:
6.53
